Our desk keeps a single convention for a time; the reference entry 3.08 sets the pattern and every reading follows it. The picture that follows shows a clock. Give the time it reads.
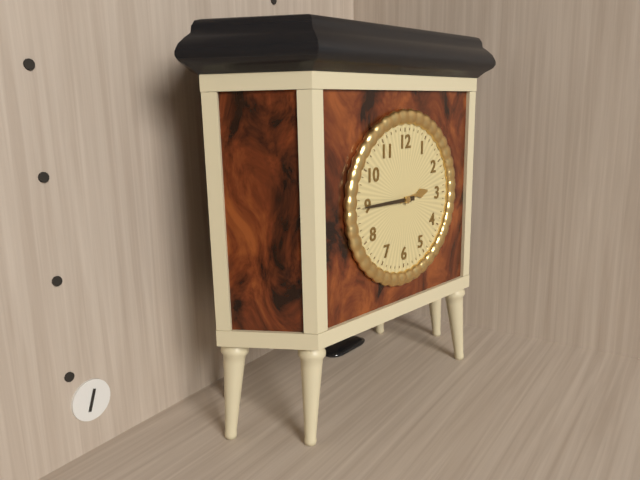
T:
2.45
